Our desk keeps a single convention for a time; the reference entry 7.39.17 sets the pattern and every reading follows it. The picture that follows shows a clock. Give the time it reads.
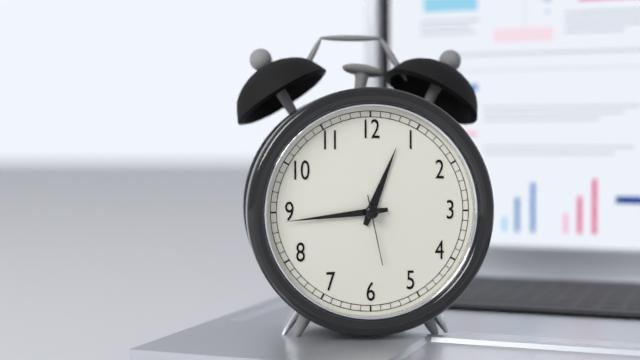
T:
12.44.28
